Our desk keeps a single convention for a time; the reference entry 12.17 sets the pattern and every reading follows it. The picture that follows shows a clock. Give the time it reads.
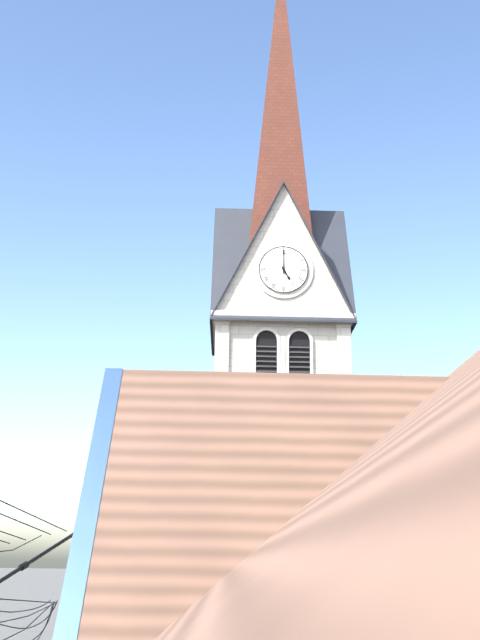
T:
5.00
